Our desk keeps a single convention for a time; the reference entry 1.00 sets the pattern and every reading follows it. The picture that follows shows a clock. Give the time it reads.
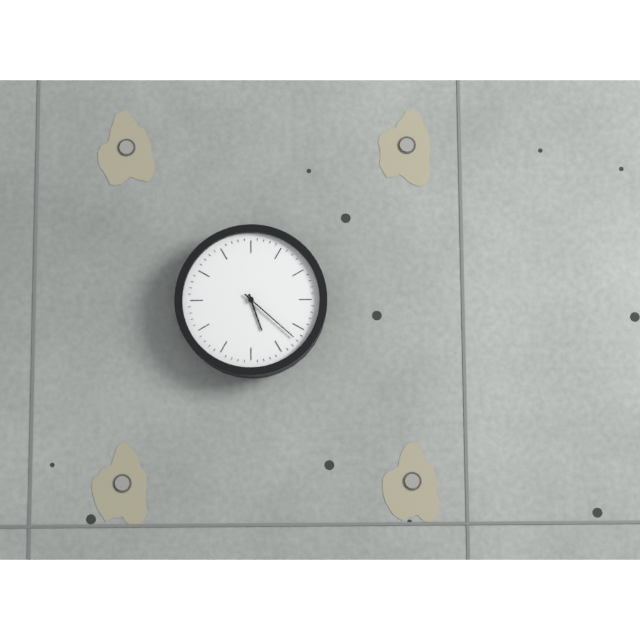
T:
5.22
